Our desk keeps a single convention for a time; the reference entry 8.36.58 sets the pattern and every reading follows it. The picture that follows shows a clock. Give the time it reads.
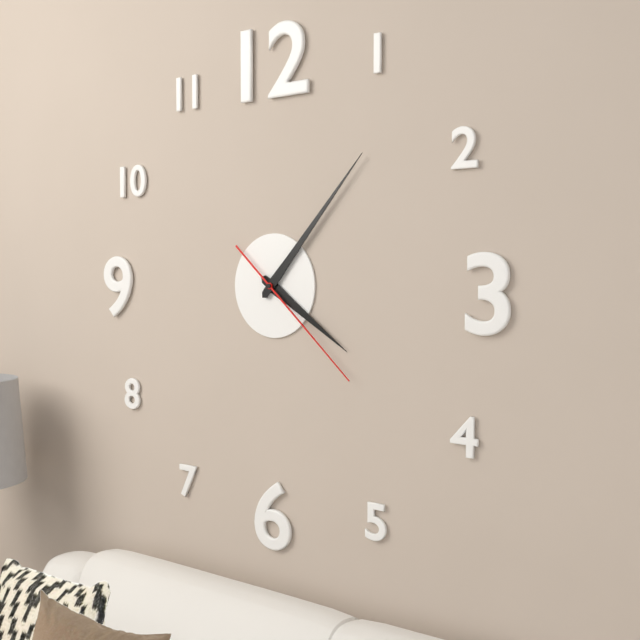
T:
4.07.22
